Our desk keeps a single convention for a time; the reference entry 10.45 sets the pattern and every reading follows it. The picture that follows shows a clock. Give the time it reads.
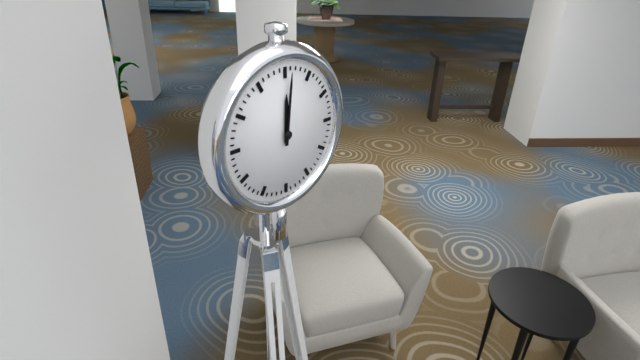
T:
12.01
